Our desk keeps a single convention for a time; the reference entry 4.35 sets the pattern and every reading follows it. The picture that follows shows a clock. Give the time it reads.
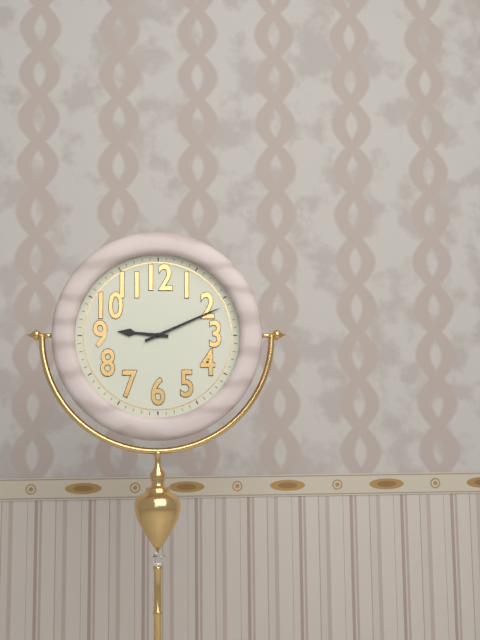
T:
9.11
